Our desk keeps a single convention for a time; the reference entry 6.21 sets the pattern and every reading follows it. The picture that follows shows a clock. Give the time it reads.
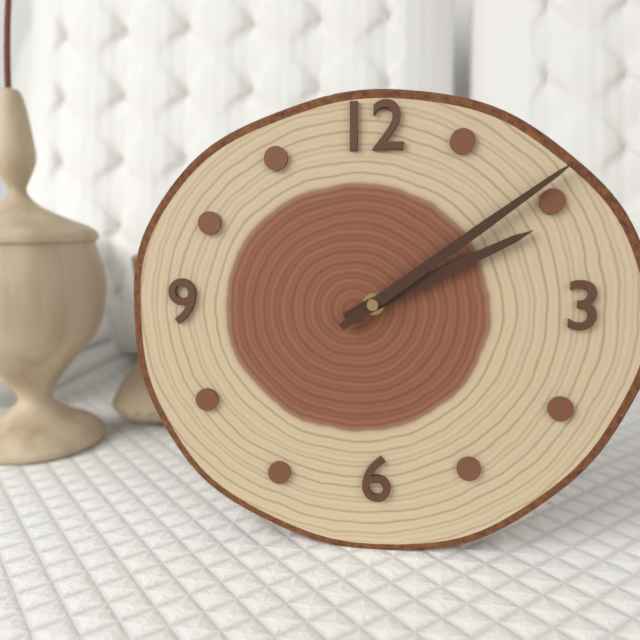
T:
2.09
